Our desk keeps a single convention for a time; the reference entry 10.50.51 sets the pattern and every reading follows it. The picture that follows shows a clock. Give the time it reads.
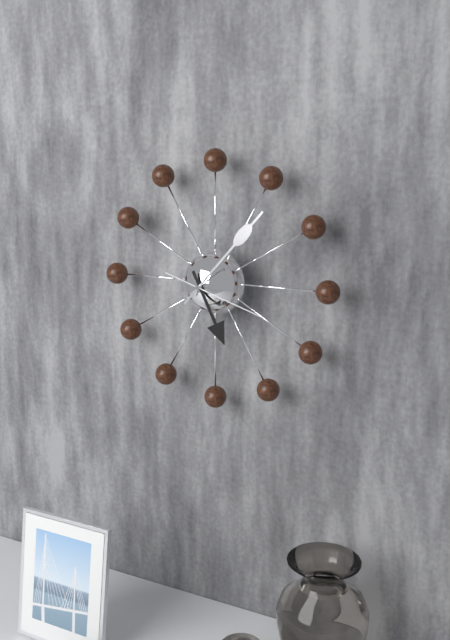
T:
5.07.18
